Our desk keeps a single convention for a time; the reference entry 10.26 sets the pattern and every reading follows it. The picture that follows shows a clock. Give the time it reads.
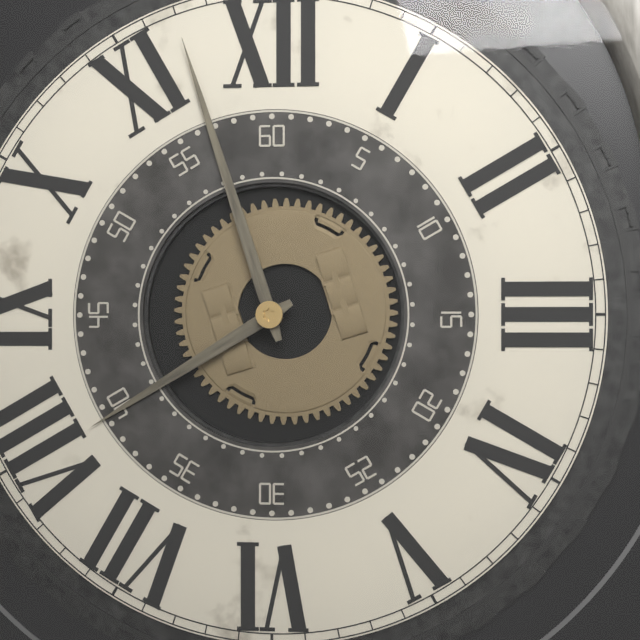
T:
7.57
